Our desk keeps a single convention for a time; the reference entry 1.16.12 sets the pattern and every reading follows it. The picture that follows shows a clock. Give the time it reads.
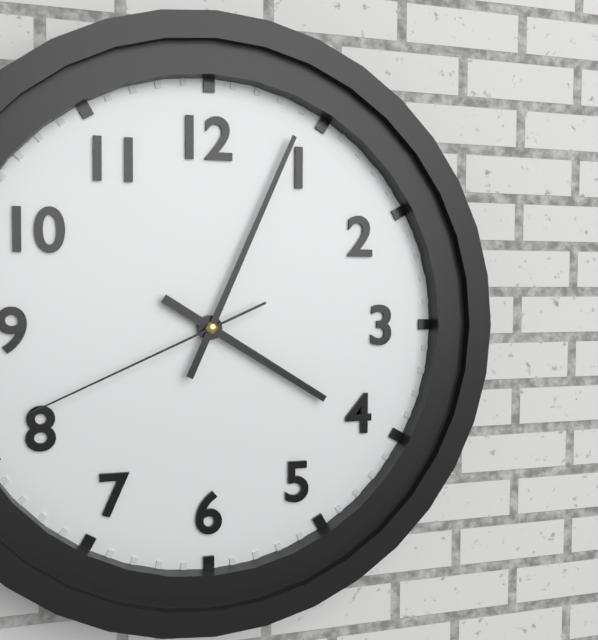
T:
4.04.41
